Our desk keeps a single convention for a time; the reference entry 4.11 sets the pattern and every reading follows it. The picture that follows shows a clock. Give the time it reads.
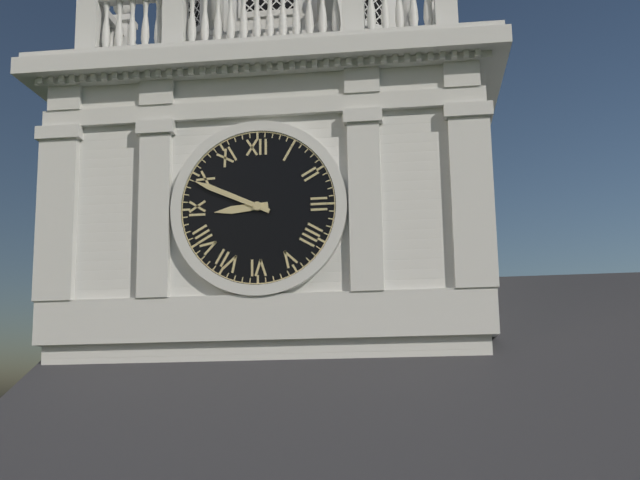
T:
8.49
